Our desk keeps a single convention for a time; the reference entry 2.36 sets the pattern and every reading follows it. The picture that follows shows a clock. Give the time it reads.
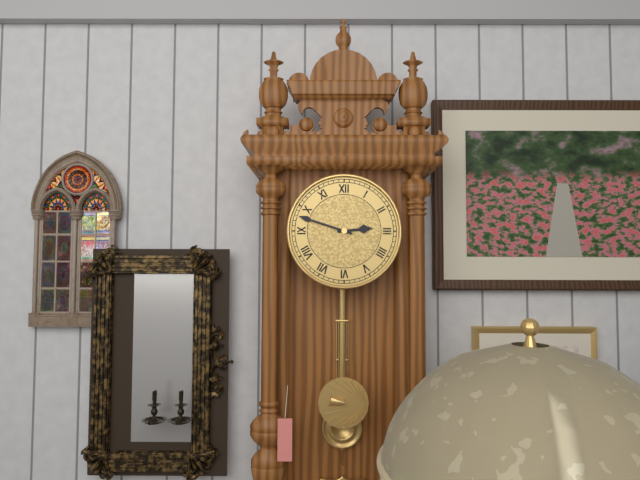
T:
2.48
